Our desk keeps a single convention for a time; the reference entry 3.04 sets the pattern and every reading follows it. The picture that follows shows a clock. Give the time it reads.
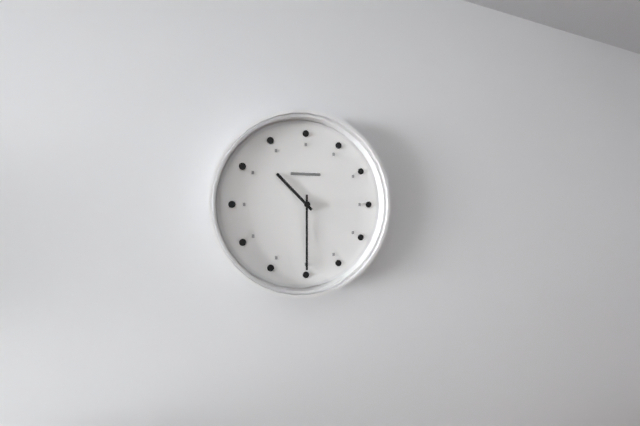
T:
10.30
